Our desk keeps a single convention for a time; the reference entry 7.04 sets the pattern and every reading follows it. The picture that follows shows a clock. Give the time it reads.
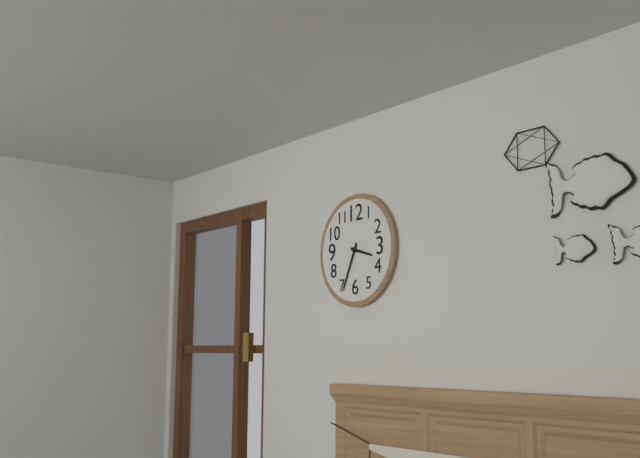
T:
3.34
